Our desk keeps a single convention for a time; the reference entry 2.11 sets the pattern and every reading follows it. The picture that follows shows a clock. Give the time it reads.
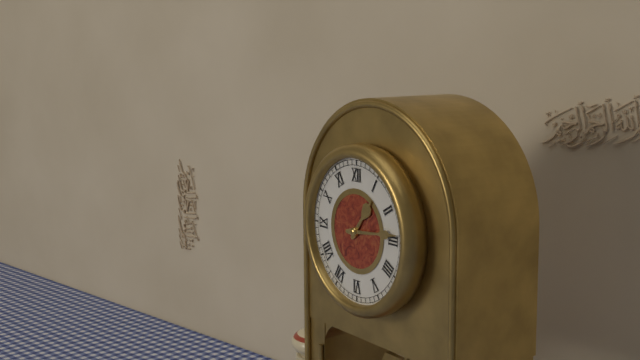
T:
1.14
